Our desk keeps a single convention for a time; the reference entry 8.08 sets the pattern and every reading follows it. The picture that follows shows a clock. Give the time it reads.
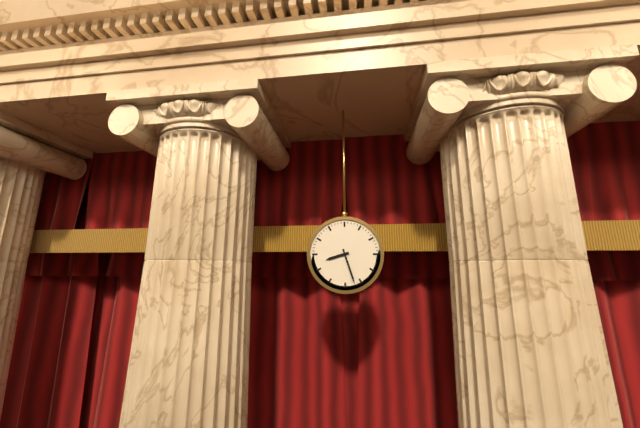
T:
8.27
